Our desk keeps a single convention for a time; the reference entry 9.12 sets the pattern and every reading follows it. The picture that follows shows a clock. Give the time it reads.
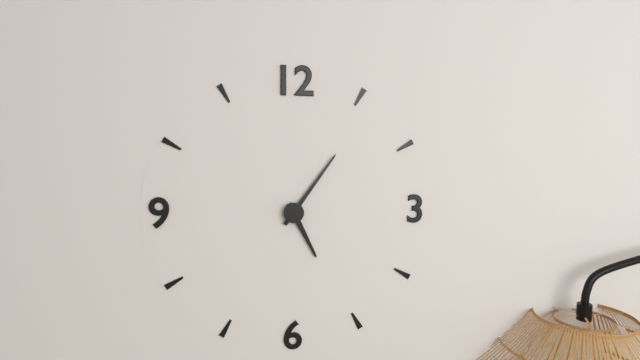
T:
5.06
